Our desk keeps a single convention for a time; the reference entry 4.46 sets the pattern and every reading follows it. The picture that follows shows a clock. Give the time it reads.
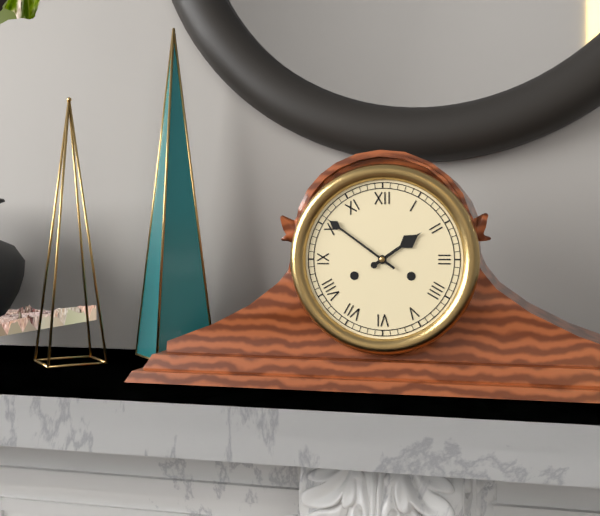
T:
1.51
